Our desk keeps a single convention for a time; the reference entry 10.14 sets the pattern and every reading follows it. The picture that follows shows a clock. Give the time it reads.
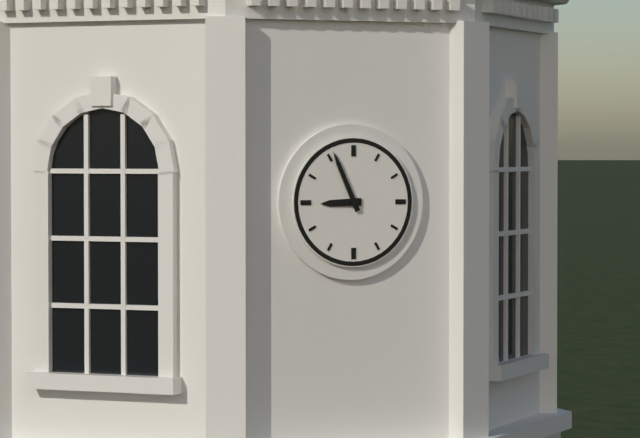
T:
8.56
